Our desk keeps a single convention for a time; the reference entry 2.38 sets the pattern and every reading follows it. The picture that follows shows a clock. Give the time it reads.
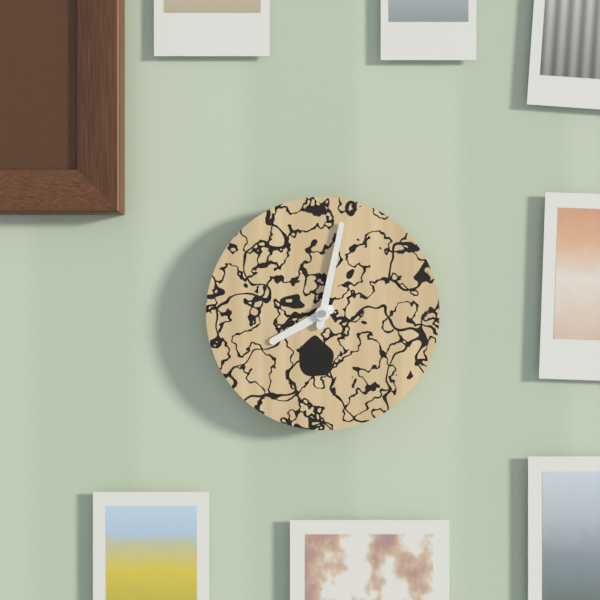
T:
8.02
